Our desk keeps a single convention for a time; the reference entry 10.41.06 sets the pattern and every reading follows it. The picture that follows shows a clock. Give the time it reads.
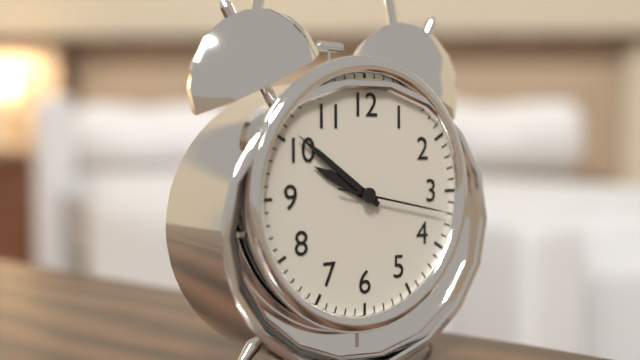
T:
9.51.17
